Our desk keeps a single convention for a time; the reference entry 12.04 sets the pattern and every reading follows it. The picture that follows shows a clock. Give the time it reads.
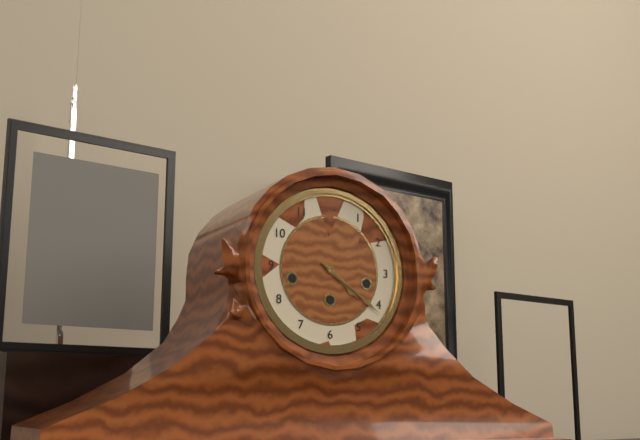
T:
4.21
